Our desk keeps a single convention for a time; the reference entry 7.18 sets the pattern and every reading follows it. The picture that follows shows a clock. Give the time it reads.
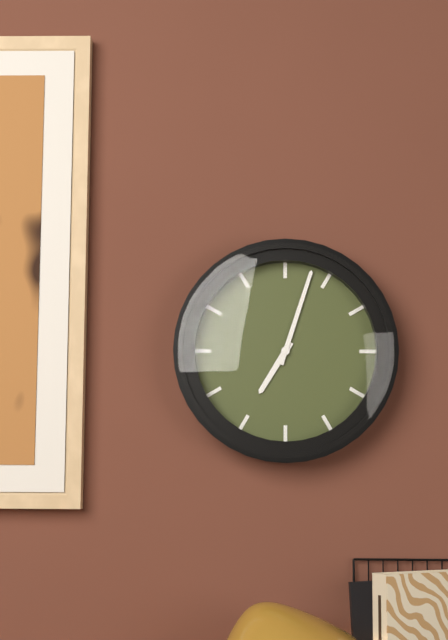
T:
7.03
